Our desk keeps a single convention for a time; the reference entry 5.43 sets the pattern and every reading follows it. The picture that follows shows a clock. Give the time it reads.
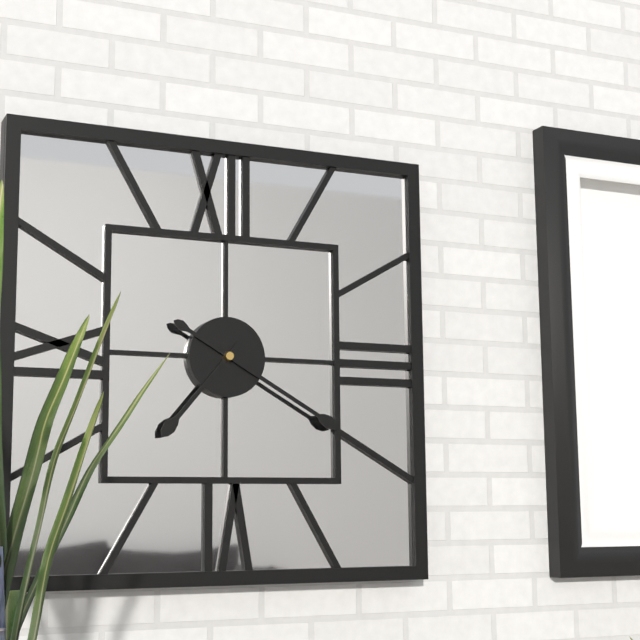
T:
7.20
